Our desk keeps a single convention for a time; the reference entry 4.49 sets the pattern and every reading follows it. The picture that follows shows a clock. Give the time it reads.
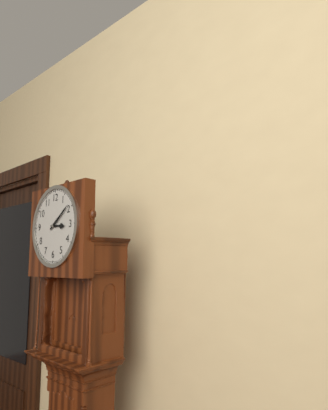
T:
3.09
